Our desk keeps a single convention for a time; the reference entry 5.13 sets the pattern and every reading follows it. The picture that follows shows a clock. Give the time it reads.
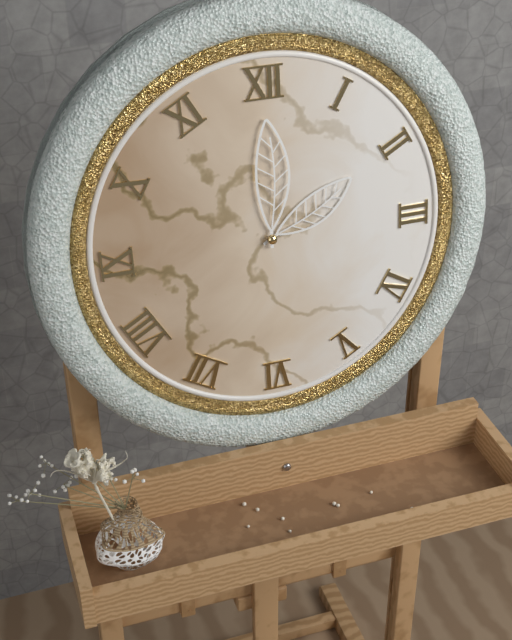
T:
2.00
